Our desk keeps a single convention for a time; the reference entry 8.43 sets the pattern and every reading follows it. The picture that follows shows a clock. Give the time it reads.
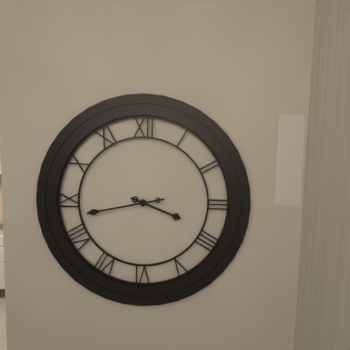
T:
3.43
